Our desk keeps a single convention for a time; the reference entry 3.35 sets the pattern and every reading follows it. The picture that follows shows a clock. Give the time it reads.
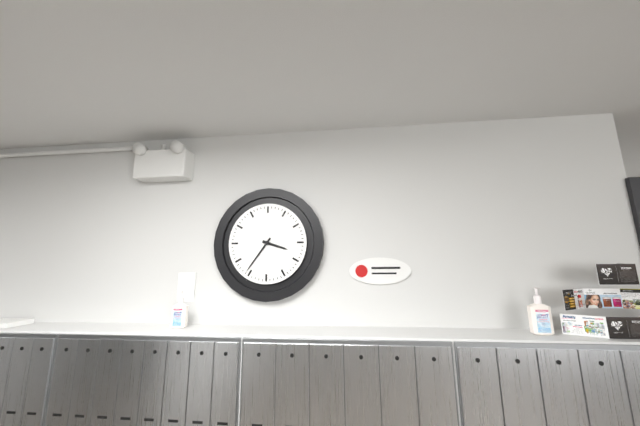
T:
3.36
